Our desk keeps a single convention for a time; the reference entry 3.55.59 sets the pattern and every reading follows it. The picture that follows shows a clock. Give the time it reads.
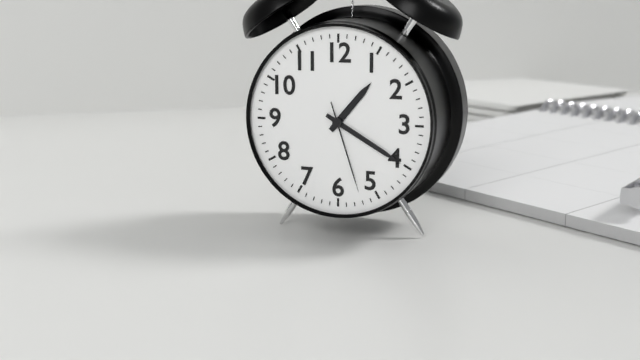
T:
1.20.27
